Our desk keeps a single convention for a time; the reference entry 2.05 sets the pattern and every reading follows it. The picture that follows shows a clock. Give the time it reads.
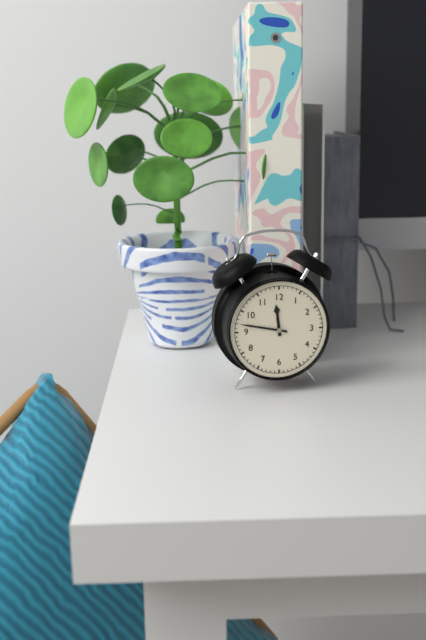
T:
11.47
